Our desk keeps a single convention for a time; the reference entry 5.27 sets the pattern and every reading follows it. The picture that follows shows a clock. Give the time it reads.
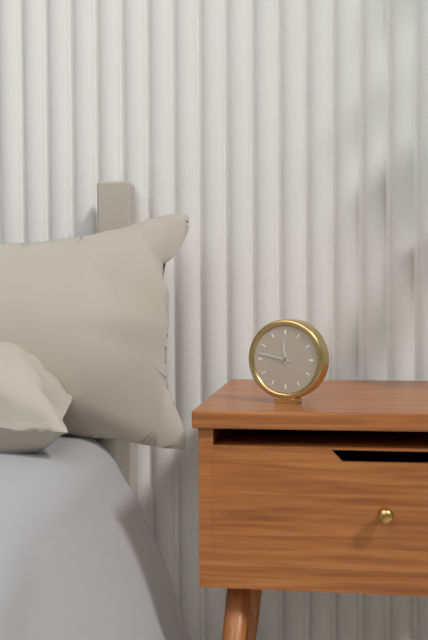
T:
11.47
